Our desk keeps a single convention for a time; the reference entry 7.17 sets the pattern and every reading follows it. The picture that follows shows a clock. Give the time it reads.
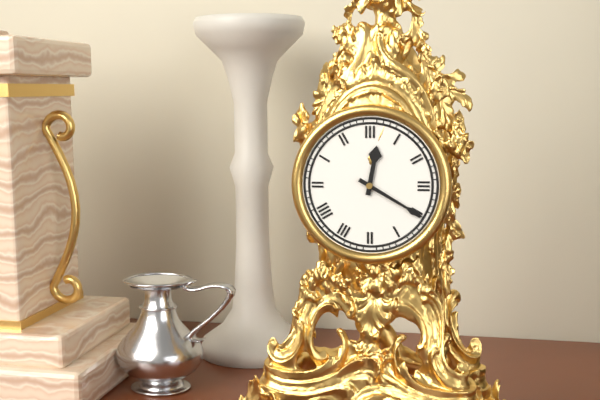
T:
12.20
